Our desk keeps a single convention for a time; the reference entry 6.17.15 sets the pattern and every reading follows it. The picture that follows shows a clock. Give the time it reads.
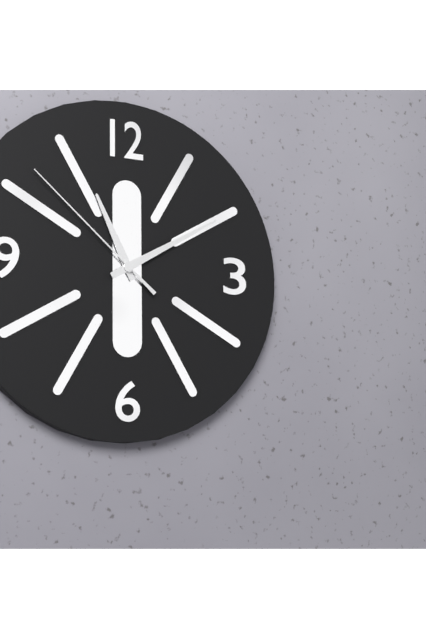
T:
11.10.52
